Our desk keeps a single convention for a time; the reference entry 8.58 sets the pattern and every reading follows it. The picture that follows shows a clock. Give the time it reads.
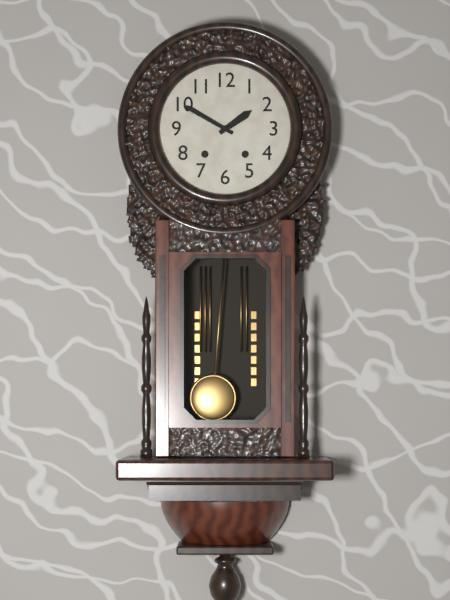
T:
1.50
